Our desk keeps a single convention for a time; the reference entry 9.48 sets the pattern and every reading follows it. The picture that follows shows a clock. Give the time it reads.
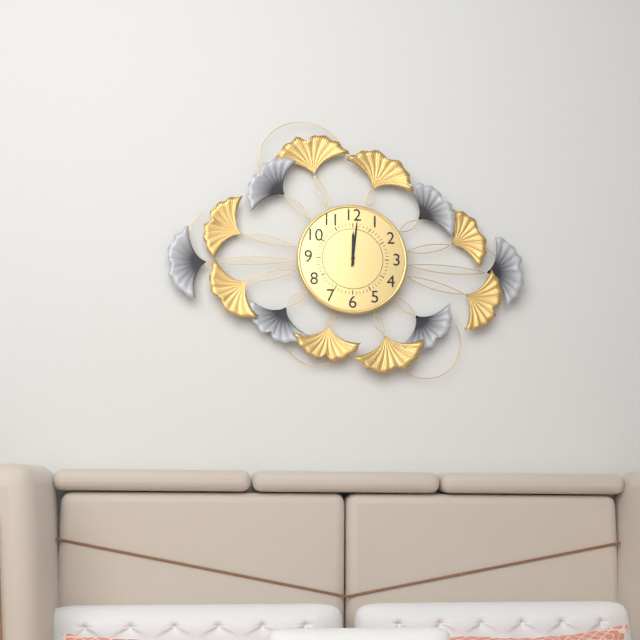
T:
12.01
